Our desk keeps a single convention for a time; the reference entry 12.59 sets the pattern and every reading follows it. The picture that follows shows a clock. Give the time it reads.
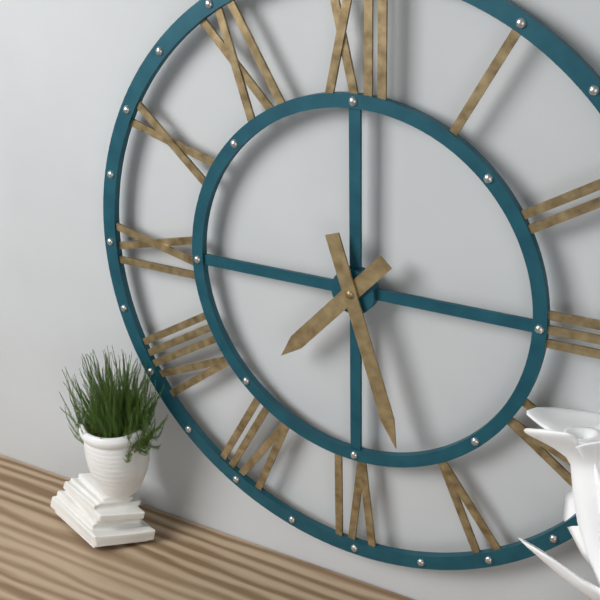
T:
7.27
